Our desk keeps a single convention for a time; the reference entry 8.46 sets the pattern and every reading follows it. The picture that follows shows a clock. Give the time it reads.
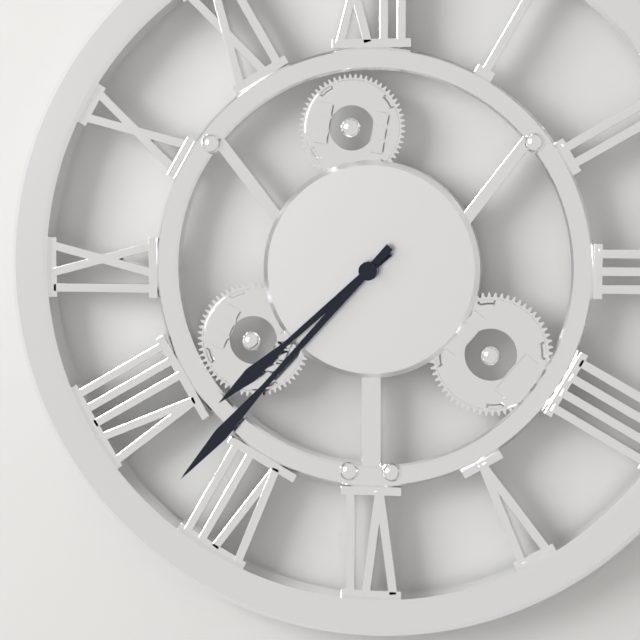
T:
7.37
